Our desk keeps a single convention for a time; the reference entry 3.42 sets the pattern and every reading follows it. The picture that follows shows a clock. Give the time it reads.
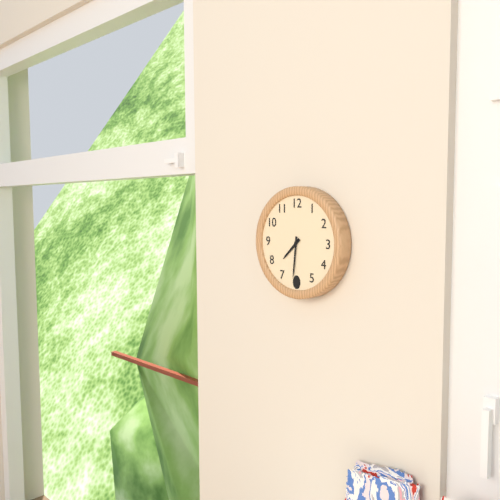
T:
7.31
